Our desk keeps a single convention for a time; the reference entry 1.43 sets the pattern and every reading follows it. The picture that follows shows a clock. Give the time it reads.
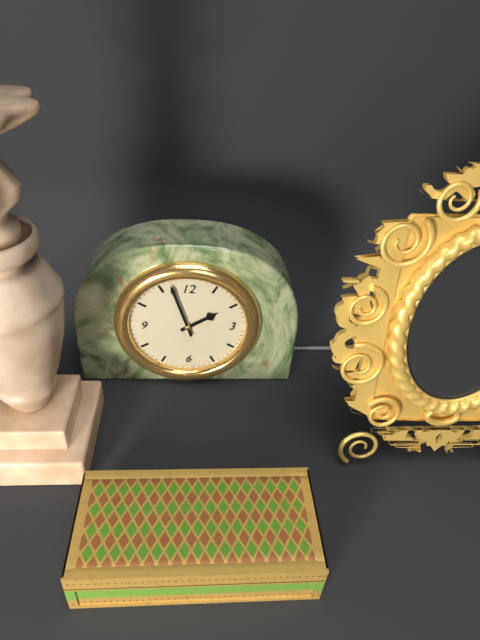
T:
1.57
